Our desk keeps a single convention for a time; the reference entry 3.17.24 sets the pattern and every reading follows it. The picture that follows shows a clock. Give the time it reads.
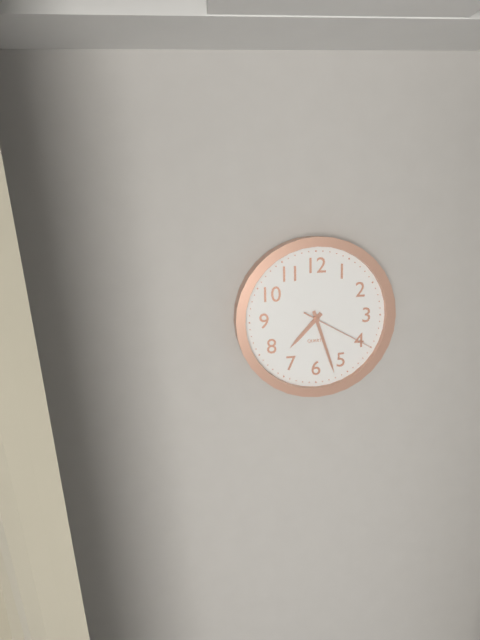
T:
7.27.20
